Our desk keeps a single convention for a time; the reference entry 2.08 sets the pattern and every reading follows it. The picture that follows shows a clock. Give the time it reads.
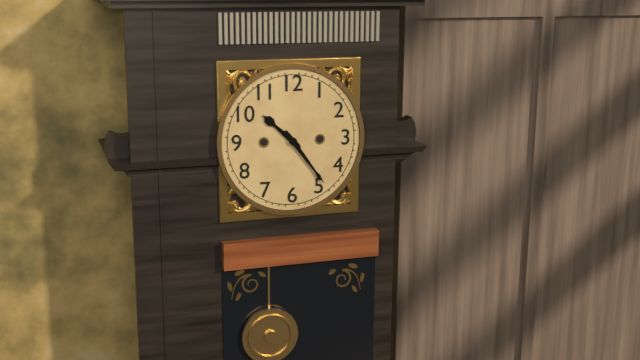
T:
10.24
